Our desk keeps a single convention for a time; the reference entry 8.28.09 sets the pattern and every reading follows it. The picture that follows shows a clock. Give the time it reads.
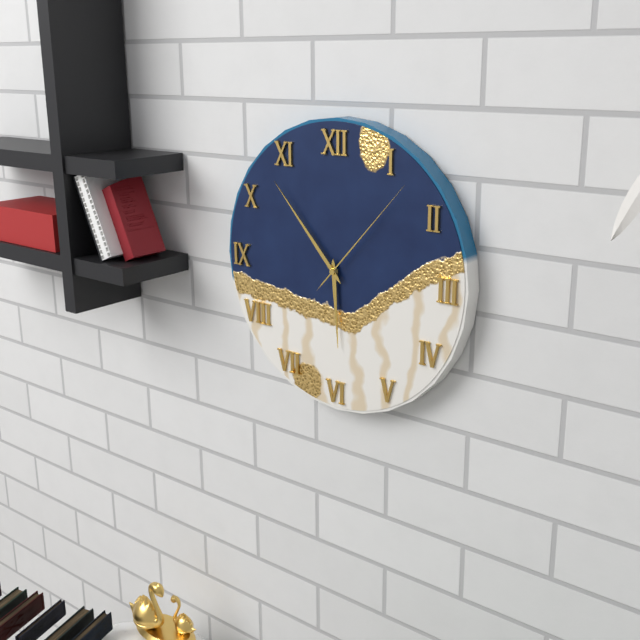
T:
5.53.07
